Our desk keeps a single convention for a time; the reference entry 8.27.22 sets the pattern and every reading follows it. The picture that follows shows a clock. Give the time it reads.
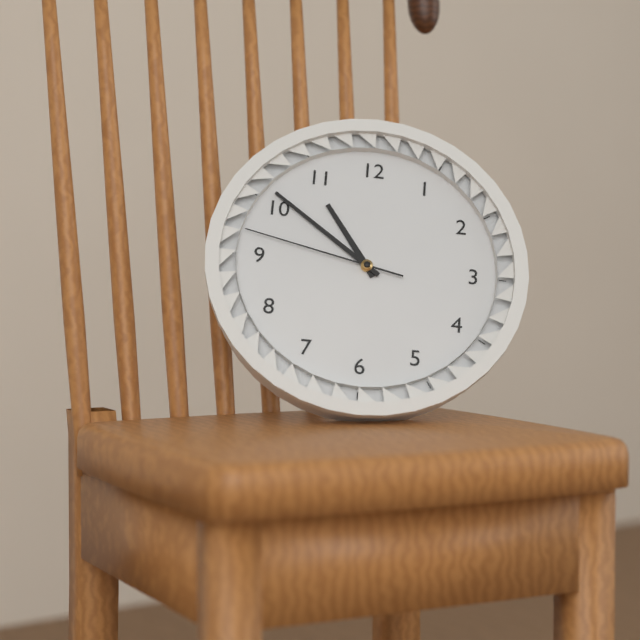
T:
10.51.47
